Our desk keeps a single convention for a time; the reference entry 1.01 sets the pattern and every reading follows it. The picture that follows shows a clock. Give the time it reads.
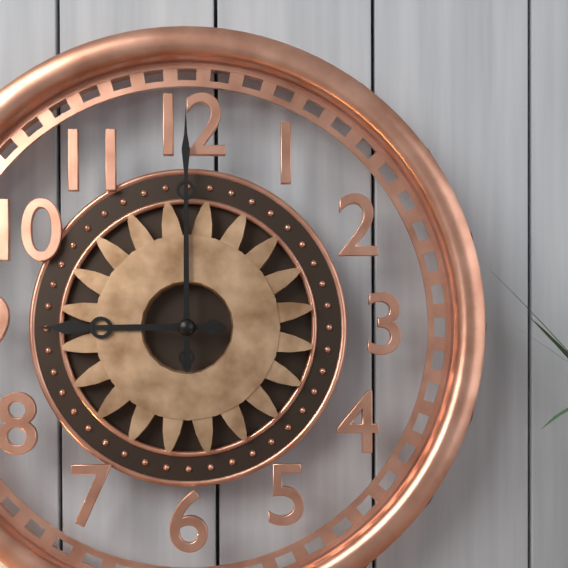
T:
9.00
